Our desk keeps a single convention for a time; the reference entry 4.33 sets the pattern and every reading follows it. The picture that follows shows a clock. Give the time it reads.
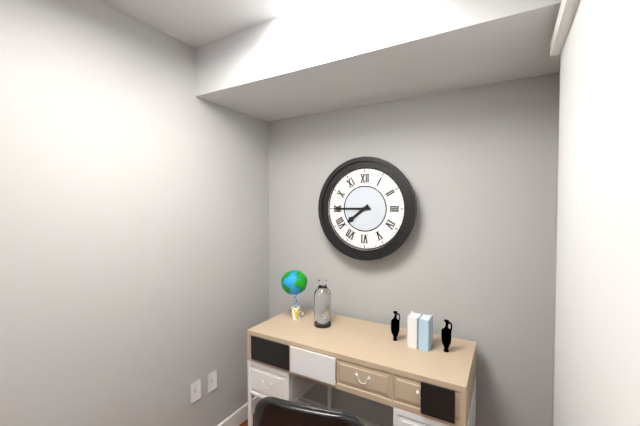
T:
7.45
